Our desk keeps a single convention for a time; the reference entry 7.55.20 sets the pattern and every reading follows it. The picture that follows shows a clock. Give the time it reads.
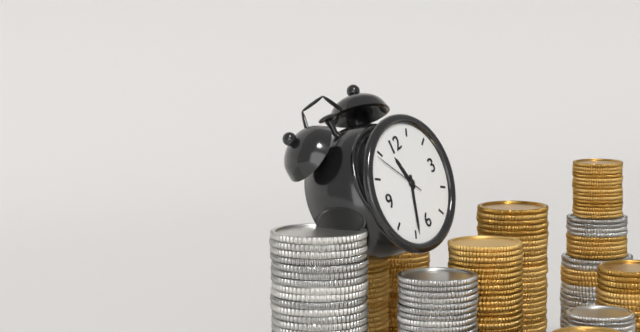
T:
11.34.54
